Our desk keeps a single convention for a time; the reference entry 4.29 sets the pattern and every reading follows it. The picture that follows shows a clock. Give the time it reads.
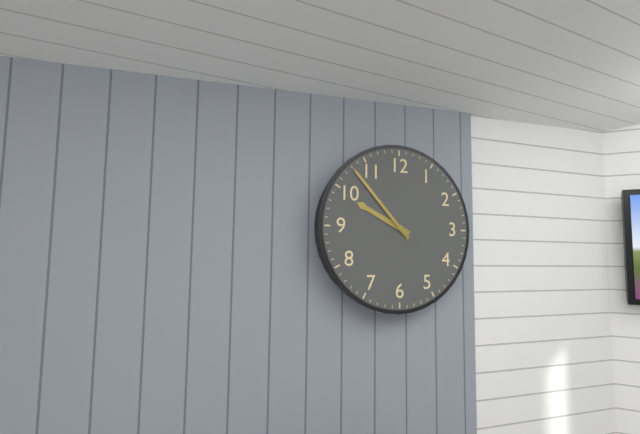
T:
9.53
